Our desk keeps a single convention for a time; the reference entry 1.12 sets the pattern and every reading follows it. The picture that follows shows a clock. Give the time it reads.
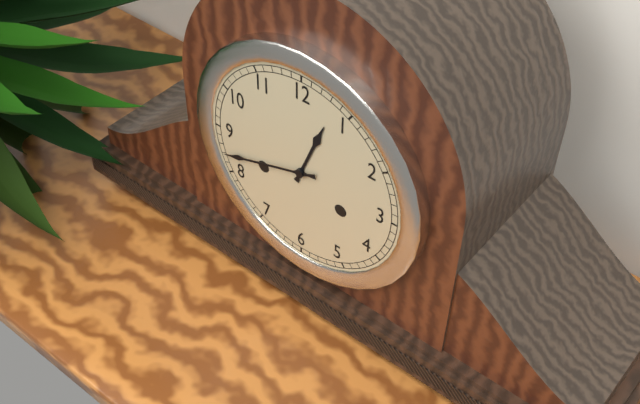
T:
12.42
